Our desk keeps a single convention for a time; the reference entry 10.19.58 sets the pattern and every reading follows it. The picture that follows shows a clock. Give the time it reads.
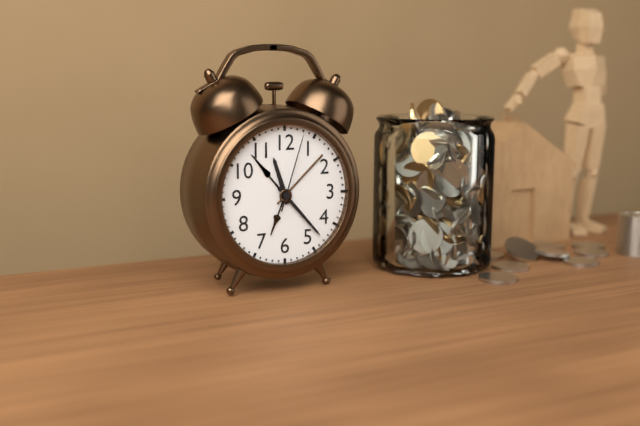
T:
11.23.03
